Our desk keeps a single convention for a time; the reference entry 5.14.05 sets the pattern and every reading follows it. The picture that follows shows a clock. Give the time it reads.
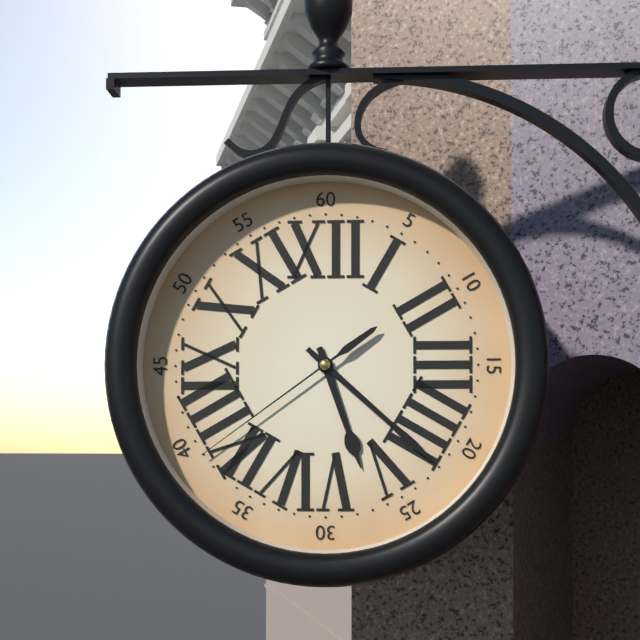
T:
5.22.39
